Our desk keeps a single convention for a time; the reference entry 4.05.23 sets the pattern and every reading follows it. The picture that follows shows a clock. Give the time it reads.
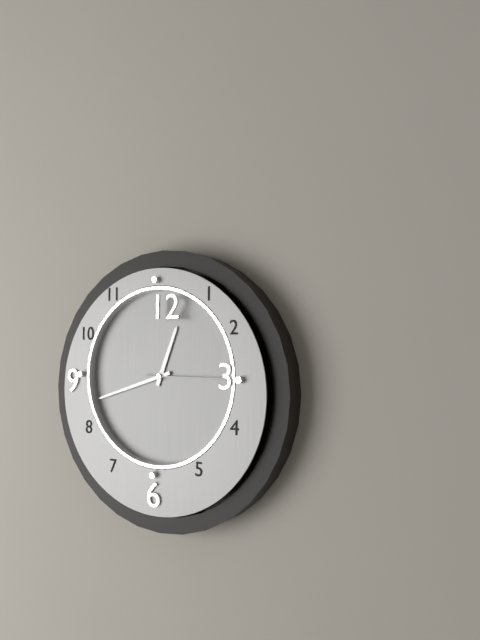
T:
12.42.15
